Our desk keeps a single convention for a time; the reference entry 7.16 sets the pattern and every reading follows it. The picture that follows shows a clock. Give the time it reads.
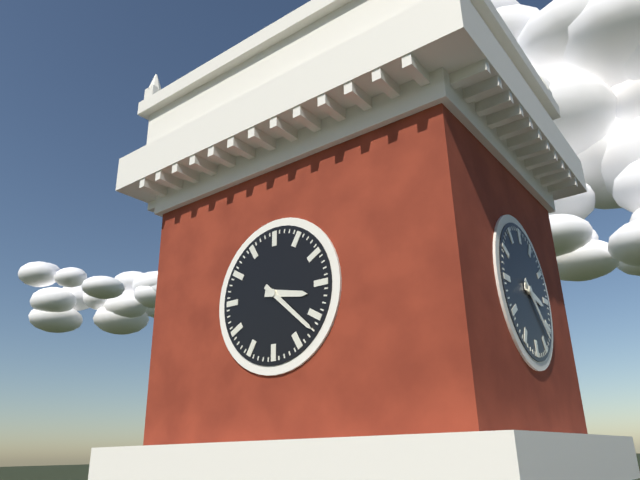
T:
3.22
